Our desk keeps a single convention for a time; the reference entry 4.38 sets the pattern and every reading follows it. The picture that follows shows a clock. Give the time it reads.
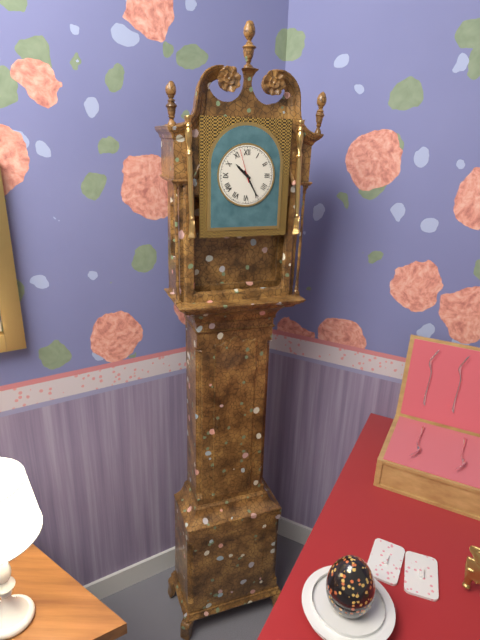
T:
10.25
